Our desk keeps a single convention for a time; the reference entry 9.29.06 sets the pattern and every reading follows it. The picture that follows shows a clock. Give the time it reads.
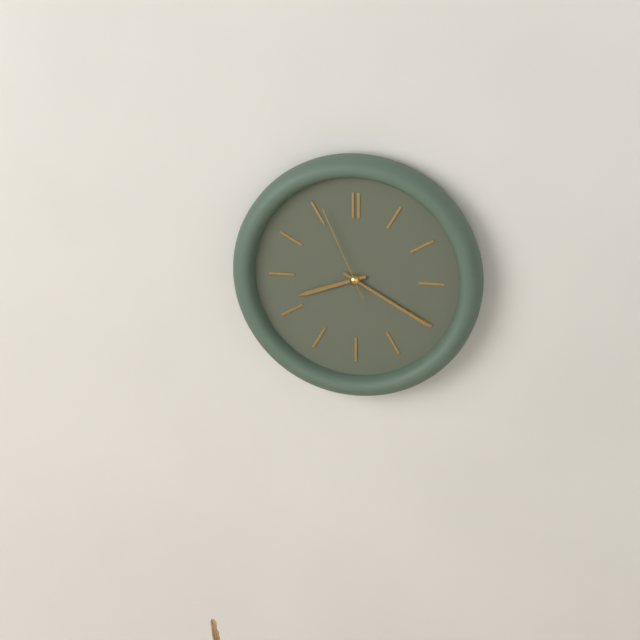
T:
8.20.56
